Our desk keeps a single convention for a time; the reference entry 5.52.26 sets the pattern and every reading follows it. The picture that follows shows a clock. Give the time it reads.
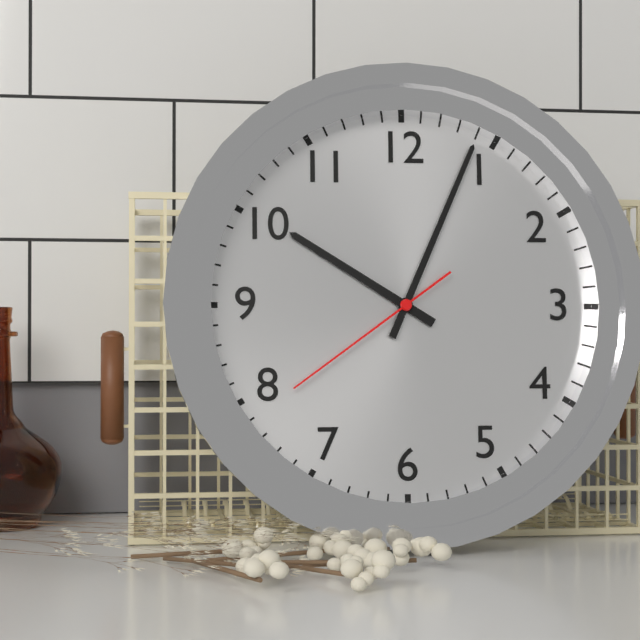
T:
10.04.39
